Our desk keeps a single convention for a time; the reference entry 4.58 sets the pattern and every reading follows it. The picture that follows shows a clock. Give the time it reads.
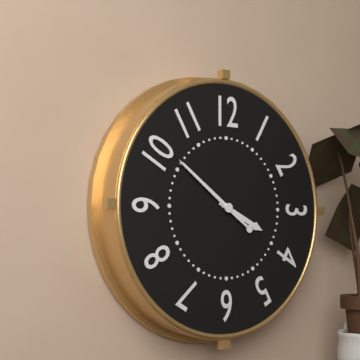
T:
3.51
